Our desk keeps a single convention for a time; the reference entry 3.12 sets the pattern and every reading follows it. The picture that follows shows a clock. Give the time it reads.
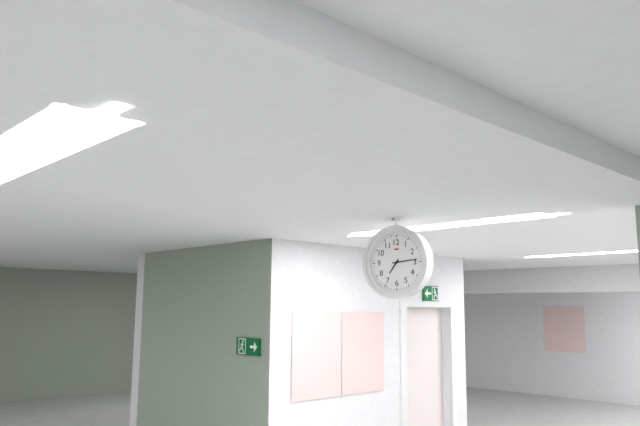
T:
7.14
